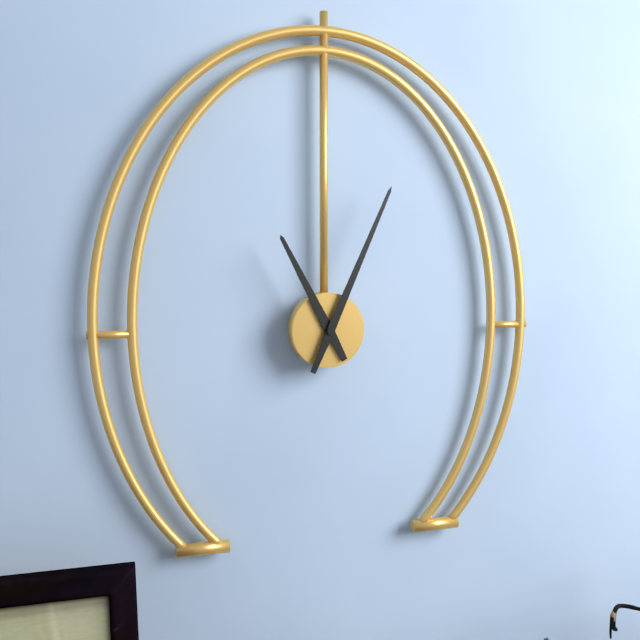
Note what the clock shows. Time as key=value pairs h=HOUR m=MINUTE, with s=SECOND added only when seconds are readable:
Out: h=11 m=4
